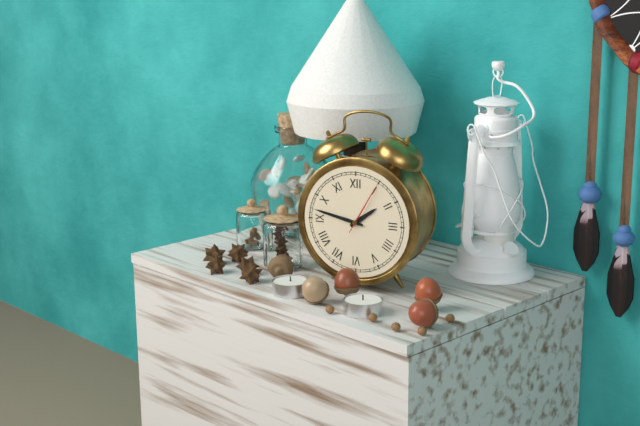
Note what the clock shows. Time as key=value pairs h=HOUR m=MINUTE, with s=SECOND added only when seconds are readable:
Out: h=1 m=47 s=5
